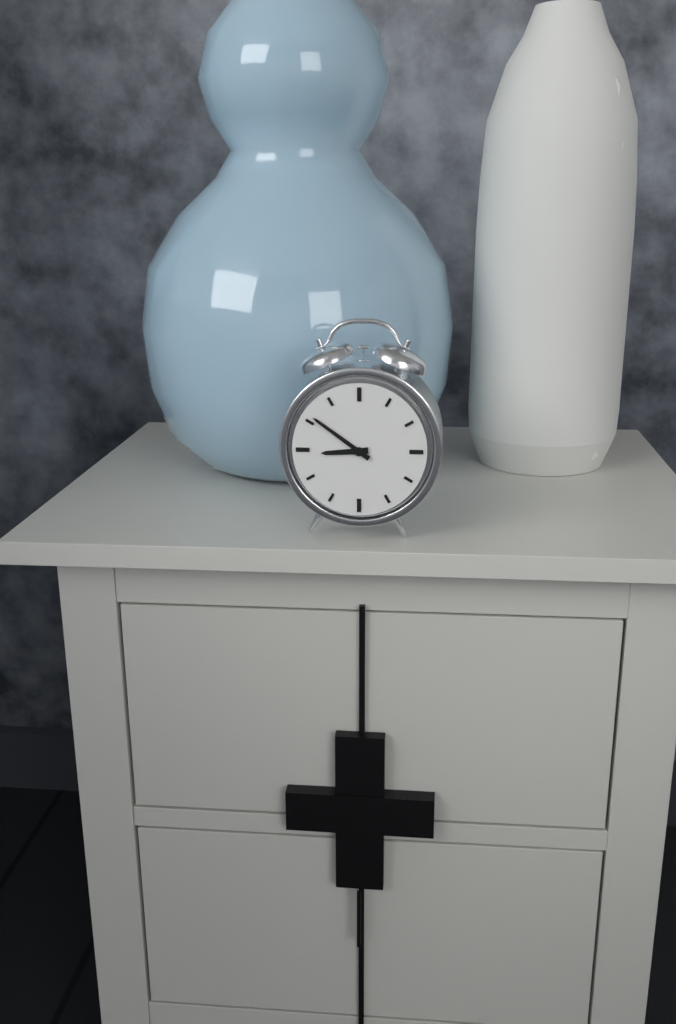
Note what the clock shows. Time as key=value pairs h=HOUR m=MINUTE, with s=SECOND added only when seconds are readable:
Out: h=8 m=51
